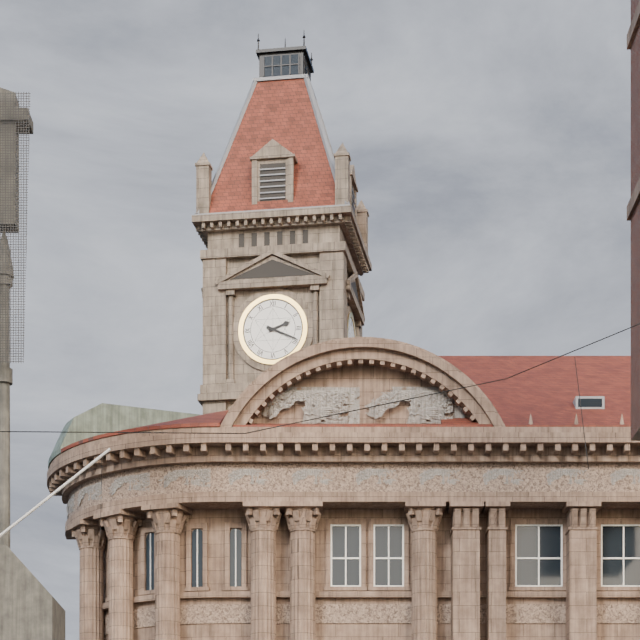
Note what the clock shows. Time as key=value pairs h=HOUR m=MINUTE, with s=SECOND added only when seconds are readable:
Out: h=2 m=19
